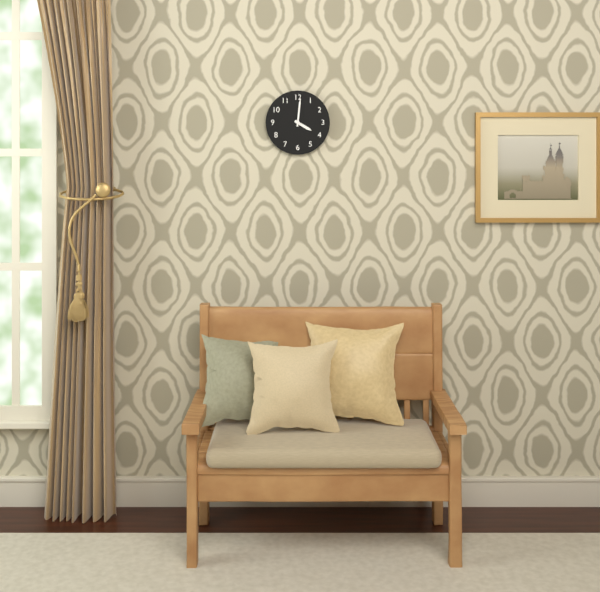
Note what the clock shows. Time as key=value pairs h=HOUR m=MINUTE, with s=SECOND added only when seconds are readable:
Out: h=4 m=1
